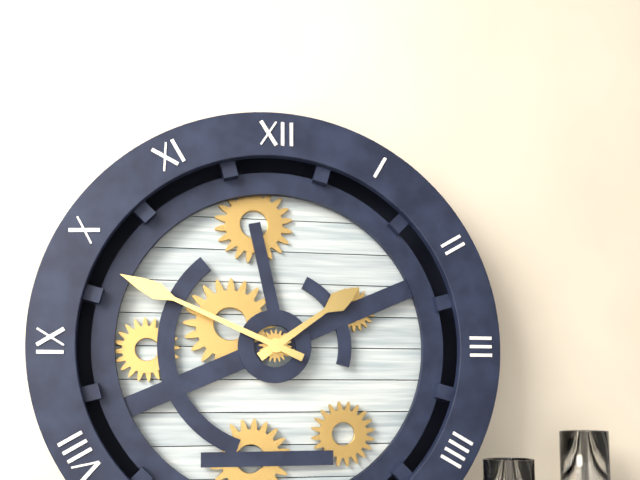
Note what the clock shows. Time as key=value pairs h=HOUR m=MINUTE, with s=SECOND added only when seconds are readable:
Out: h=1 m=49
